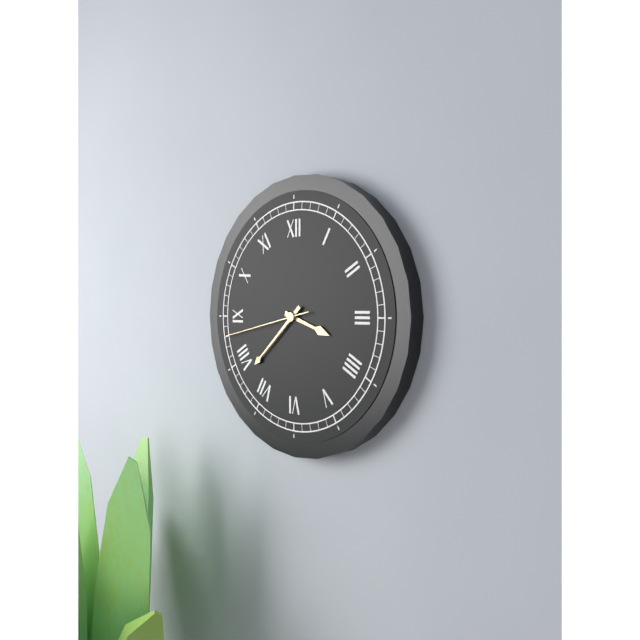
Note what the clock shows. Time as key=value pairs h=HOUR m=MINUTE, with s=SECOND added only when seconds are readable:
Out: h=3 m=38 s=43
